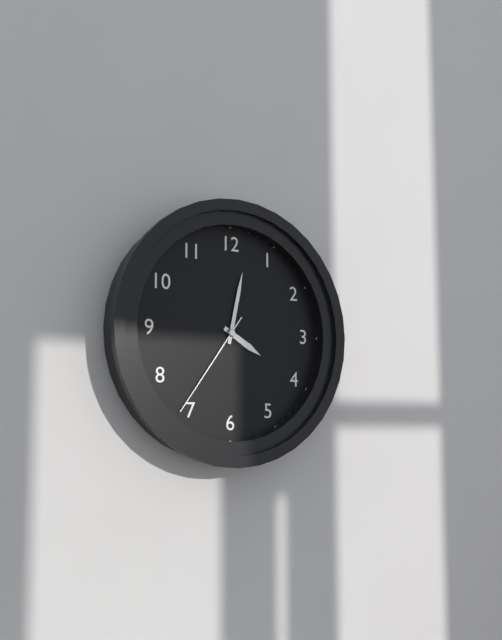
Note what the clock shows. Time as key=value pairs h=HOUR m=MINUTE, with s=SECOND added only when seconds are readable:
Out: h=4 m=2 s=36
